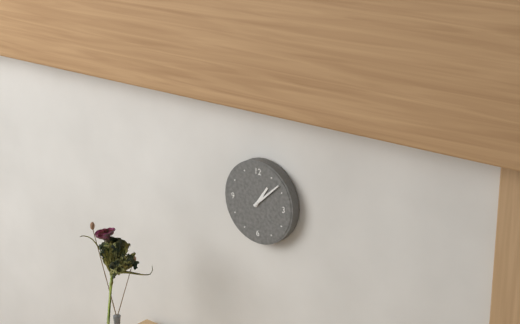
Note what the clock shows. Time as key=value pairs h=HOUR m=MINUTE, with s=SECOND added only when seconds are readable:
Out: h=1 m=8
